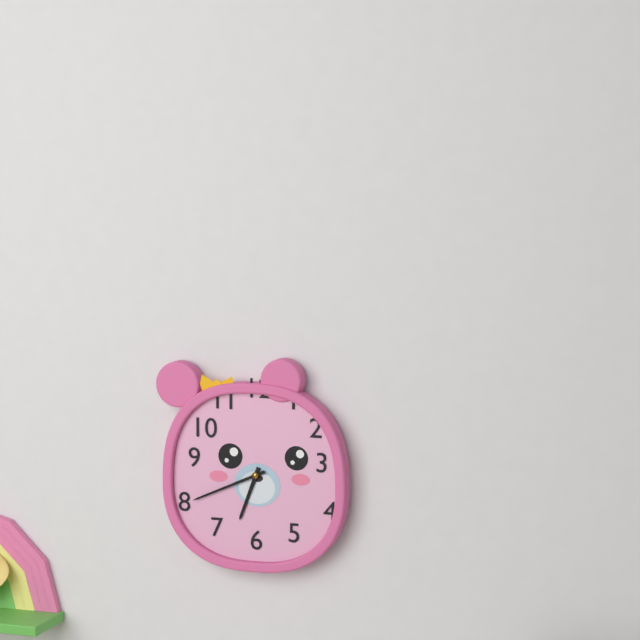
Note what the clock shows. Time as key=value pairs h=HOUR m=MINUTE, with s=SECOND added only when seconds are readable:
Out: h=6 m=41
